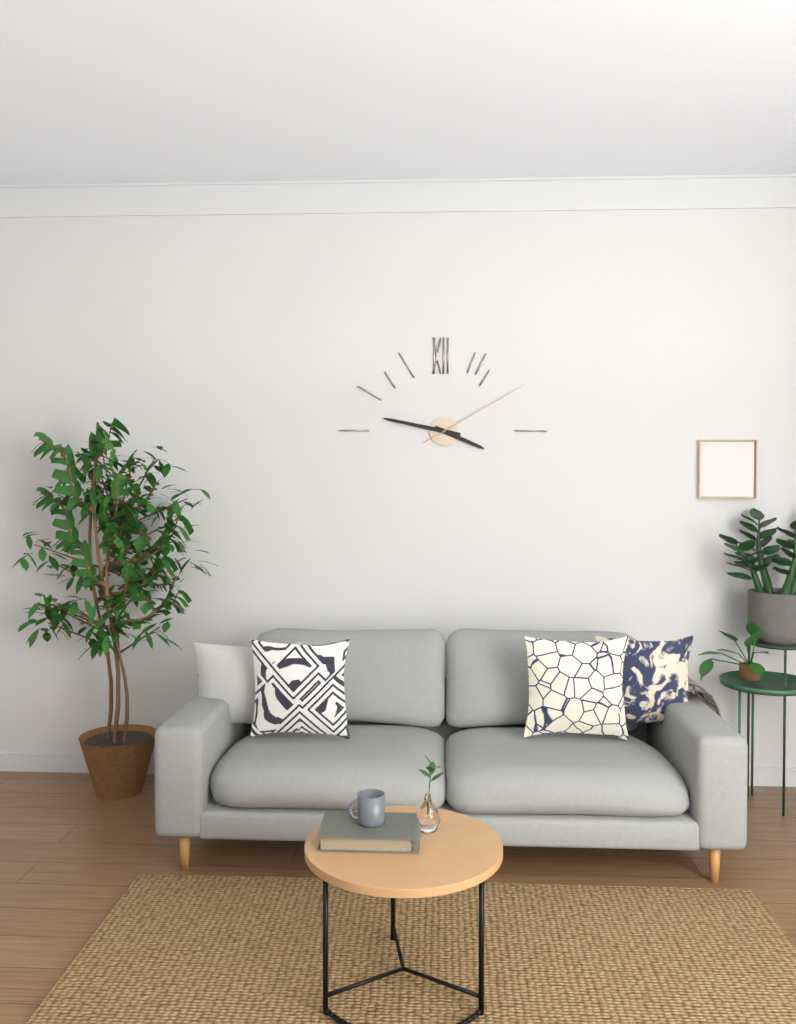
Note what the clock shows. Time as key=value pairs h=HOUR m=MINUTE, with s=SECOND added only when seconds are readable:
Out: h=3 m=47 s=10
